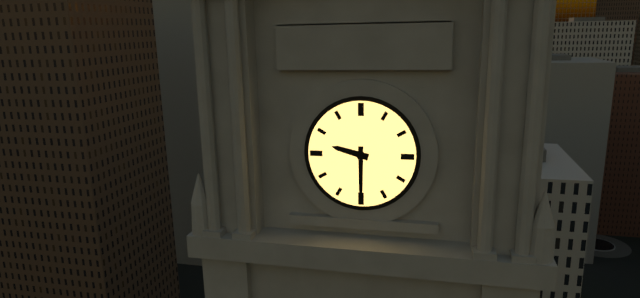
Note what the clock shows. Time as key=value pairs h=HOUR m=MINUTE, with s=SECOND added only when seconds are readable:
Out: h=9 m=30
